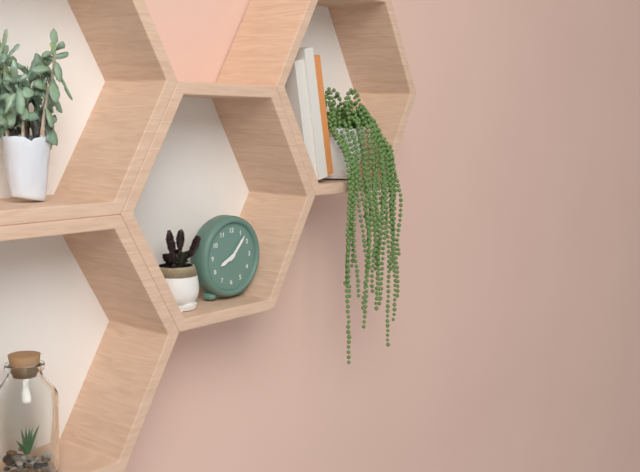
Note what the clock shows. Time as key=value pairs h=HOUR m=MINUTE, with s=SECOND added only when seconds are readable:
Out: h=8 m=7
